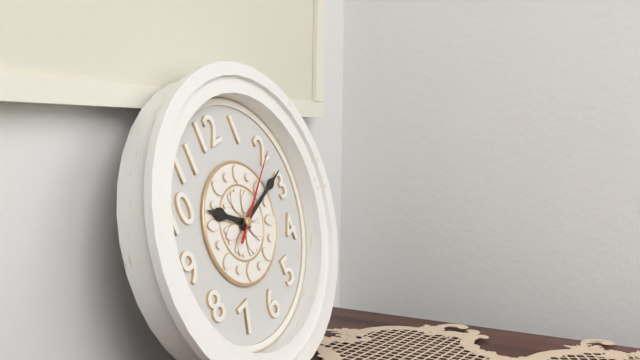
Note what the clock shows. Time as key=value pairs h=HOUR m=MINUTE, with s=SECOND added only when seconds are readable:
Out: h=10 m=13 s=10
